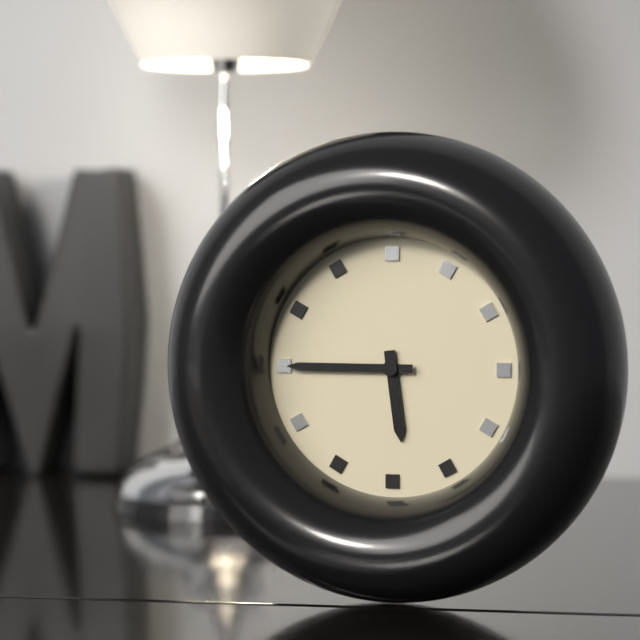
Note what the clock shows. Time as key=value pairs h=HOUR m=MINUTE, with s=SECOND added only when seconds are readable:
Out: h=5 m=45
